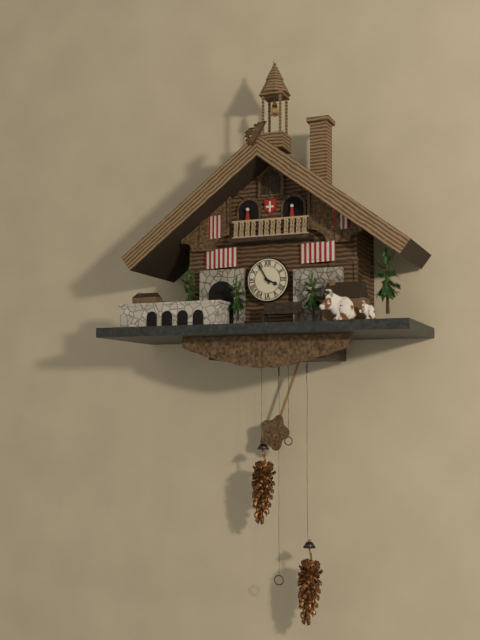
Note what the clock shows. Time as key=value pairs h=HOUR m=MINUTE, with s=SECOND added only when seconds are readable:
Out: h=3 m=55
